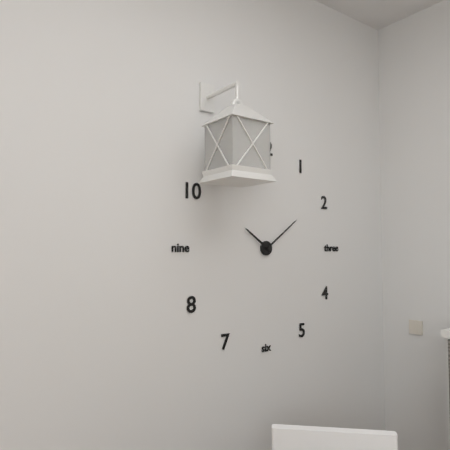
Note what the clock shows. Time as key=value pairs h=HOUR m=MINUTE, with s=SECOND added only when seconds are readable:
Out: h=10 m=9
